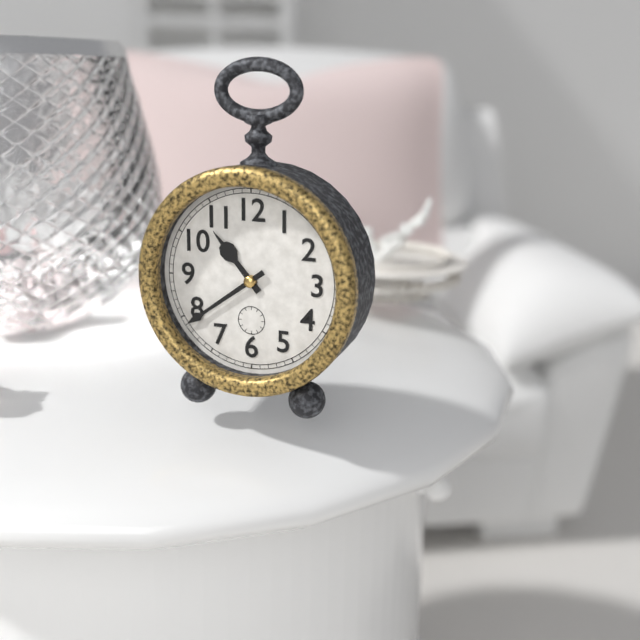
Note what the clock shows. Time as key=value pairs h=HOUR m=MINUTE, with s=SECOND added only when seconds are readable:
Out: h=10 m=39
